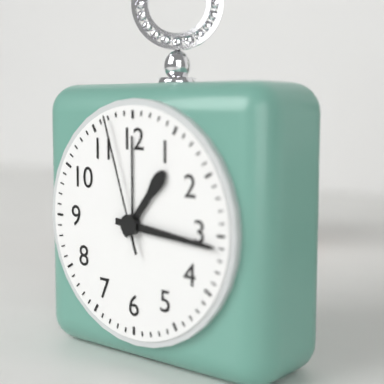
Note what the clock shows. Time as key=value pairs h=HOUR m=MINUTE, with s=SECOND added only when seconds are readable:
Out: h=1 m=16 s=57
